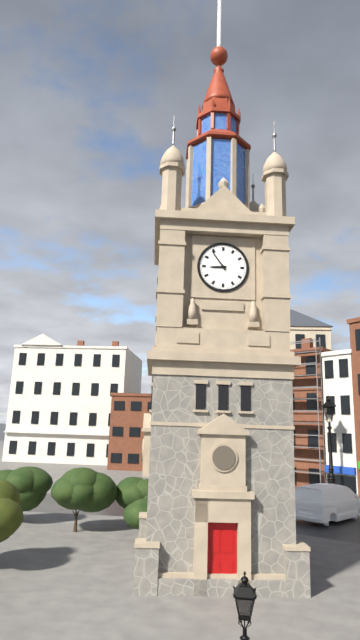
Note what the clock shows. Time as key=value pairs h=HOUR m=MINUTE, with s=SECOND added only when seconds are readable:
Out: h=8 m=54
